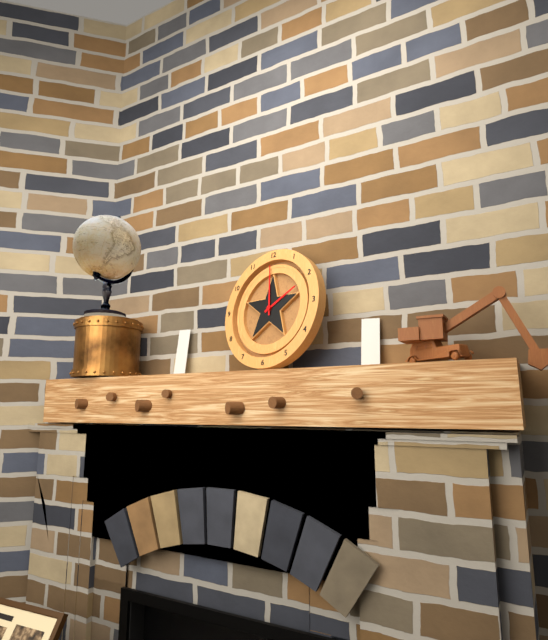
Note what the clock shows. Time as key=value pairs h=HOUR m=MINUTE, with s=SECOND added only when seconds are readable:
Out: h=1 m=59
